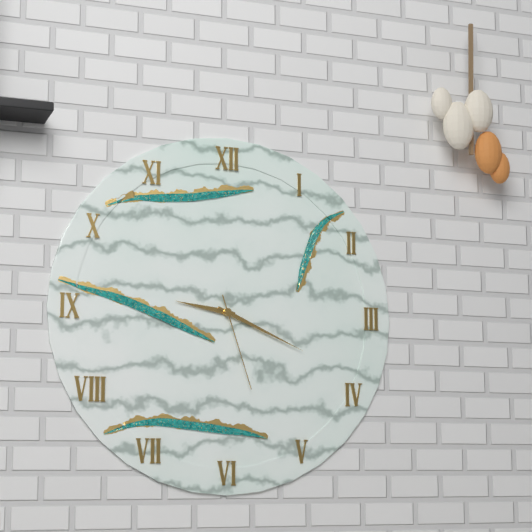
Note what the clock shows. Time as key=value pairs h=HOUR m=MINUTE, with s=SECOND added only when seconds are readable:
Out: h=9 m=19 s=27
